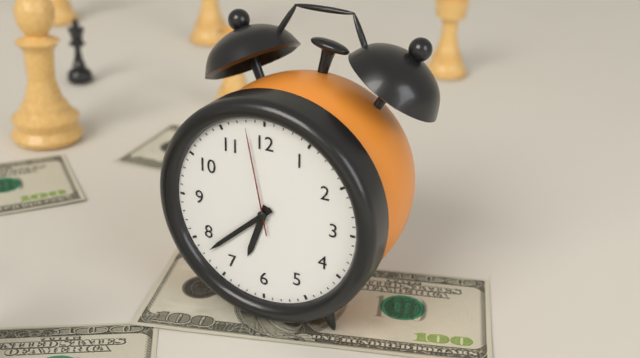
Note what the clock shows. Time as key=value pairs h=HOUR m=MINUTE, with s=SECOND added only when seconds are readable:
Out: h=6 m=38 s=58
